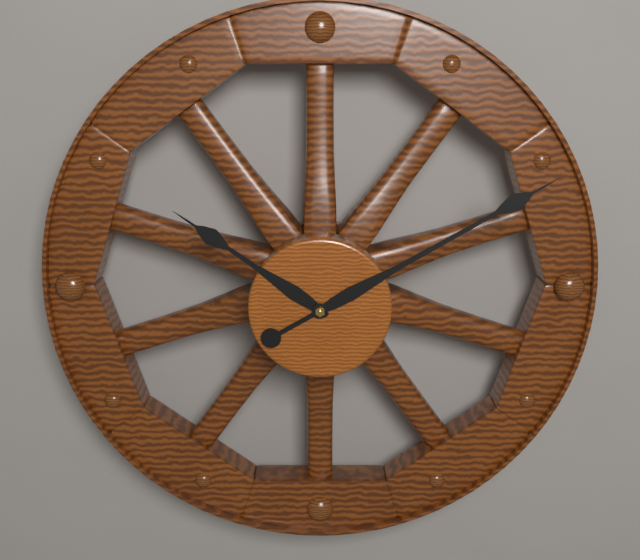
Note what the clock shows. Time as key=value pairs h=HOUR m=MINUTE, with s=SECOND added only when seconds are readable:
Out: h=10 m=10
